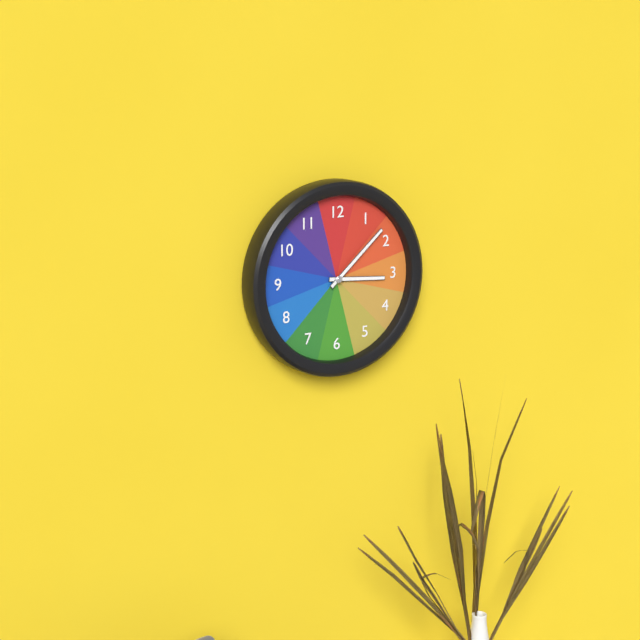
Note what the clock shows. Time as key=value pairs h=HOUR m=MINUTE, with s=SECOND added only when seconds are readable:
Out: h=3 m=8
